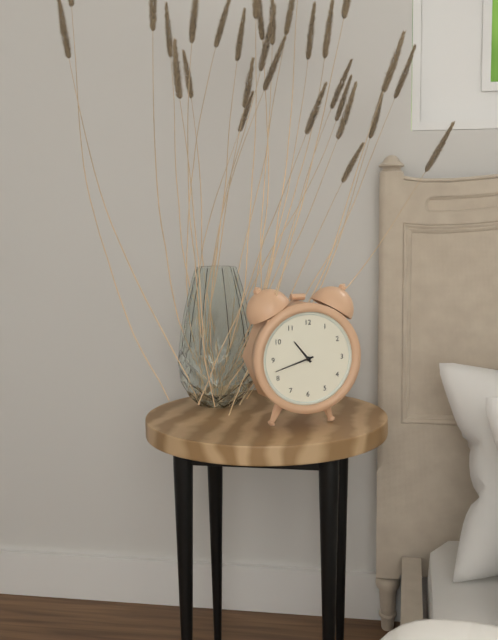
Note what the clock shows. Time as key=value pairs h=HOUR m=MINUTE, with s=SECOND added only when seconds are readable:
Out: h=10 m=42
